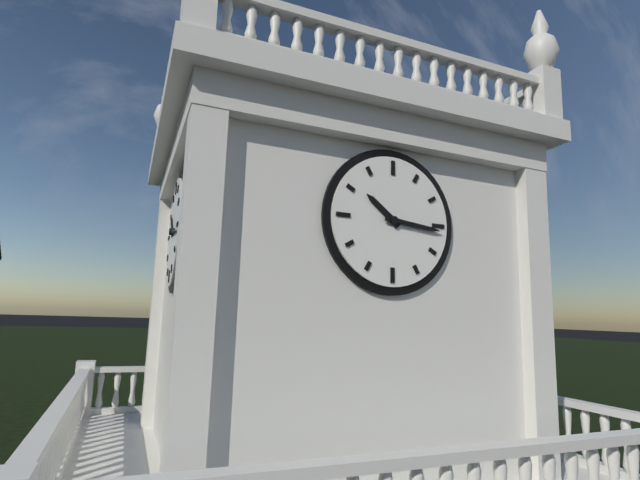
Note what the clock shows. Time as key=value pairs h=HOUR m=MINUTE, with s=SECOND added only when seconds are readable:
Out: h=10 m=16
